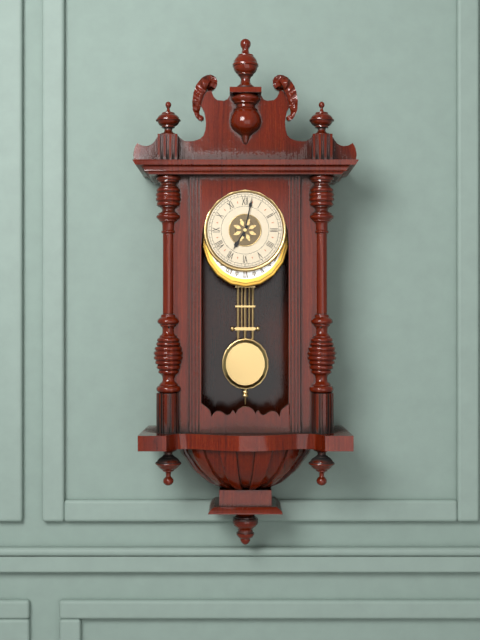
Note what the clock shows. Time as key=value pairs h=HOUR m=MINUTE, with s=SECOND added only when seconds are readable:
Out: h=7 m=2
